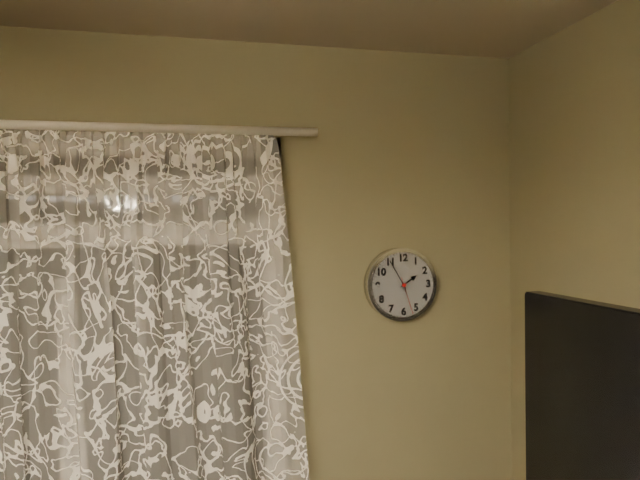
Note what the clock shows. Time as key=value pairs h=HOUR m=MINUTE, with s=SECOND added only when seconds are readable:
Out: h=1 m=55
